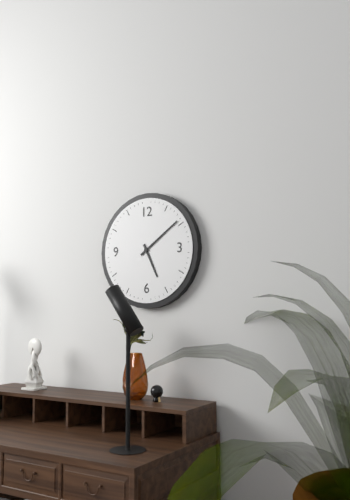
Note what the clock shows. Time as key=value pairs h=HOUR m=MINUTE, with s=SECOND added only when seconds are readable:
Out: h=5 m=9
